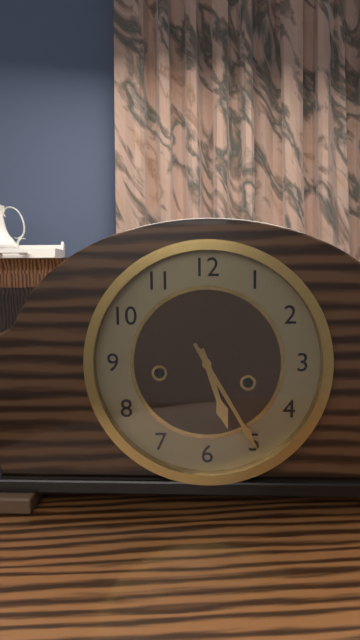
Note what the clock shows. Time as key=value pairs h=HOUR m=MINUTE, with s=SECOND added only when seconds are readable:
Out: h=5 m=25
